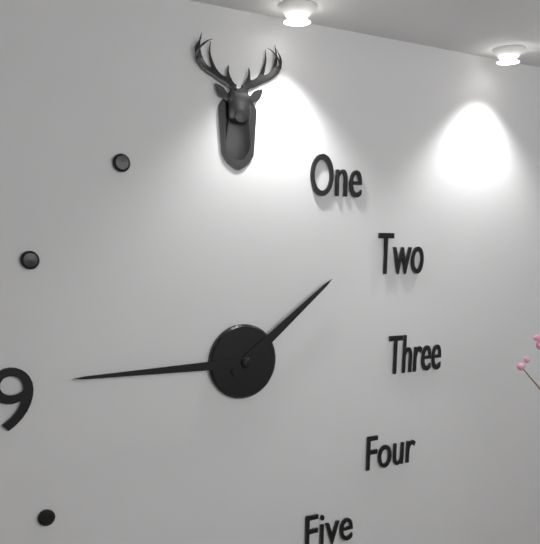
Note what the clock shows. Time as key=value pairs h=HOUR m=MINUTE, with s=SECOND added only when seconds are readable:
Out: h=1 m=45
